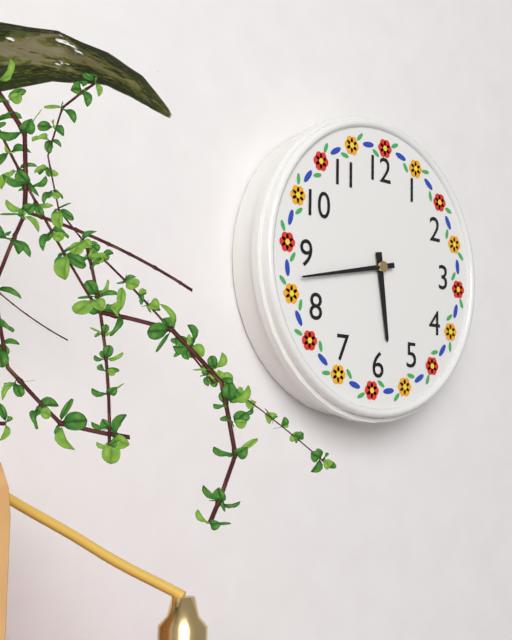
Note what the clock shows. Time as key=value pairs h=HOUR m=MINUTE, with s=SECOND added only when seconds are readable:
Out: h=5 m=43
